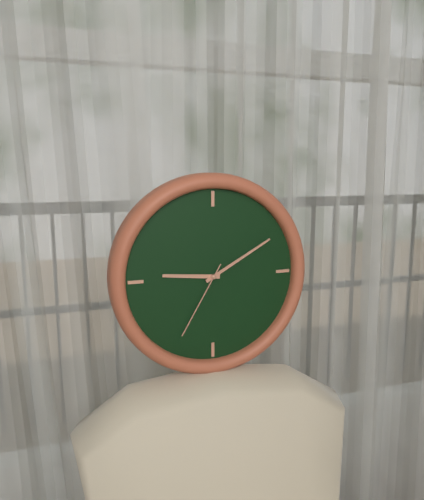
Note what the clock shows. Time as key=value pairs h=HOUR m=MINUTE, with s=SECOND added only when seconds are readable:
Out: h=9 m=10 s=35
